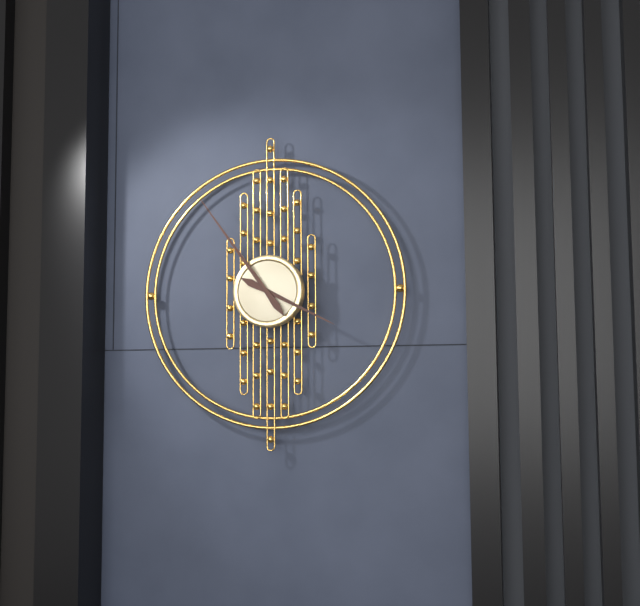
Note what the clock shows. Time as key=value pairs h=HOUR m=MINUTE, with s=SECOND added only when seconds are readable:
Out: h=3 m=54
